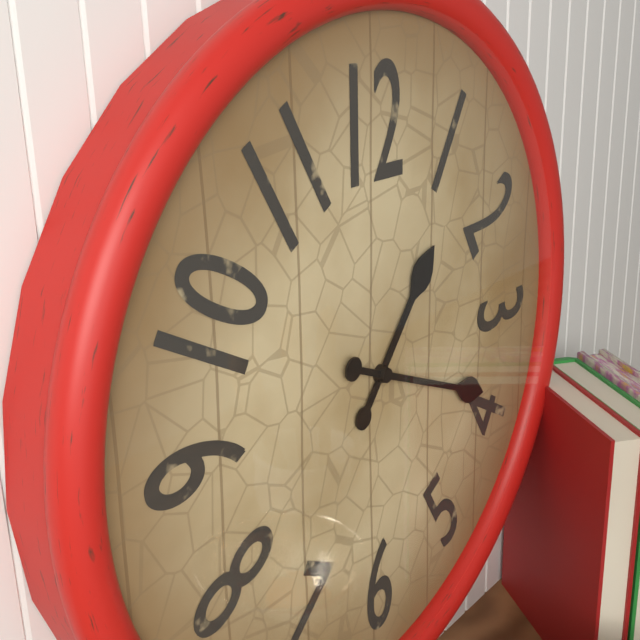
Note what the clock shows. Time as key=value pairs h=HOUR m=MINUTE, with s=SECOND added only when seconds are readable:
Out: h=1 m=19
